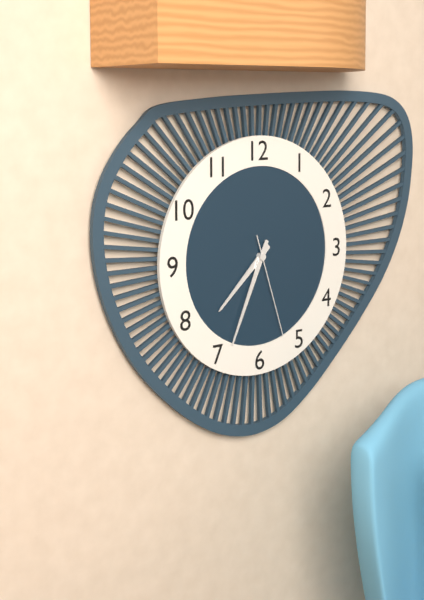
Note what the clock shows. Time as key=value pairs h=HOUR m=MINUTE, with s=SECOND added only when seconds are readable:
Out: h=7 m=34 s=27
